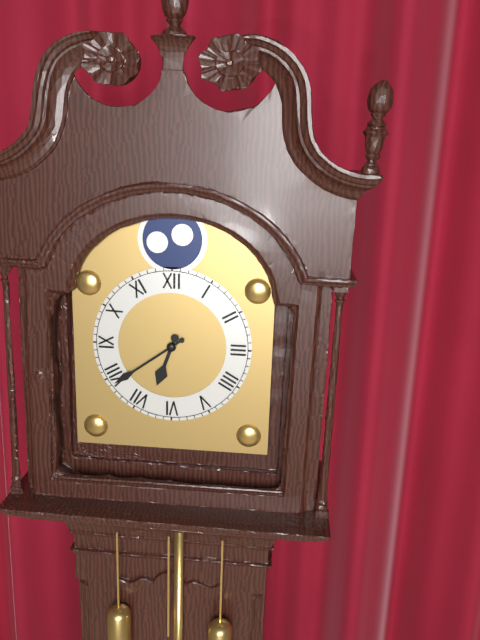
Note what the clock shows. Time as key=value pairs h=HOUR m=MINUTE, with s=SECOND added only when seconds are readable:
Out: h=6 m=39
